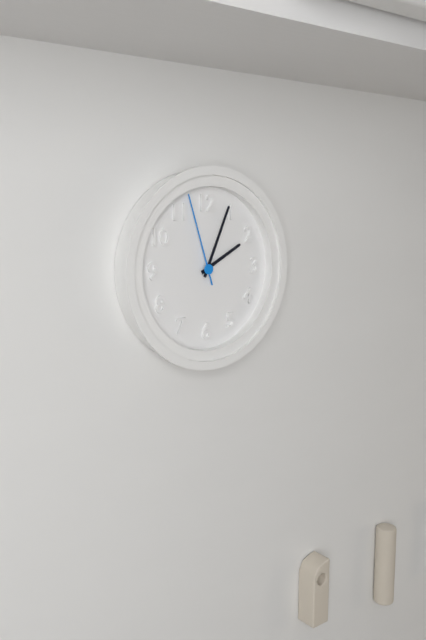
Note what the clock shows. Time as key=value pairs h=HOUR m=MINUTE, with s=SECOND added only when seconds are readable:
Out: h=2 m=4 s=57
